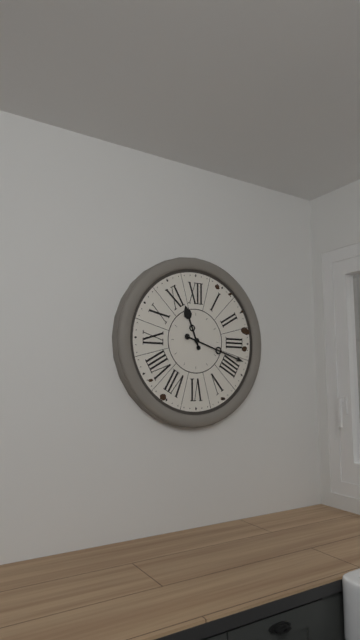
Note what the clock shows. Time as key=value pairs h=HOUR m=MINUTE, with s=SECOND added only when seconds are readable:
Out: h=11 m=18
